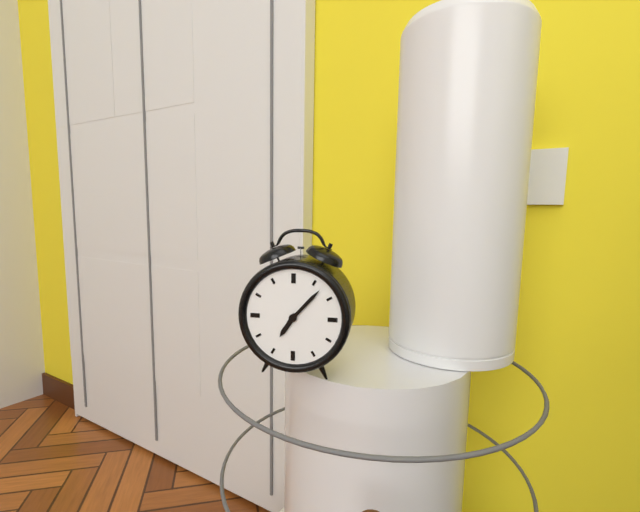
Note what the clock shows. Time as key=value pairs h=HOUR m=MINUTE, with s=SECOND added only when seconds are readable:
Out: h=7 m=7
